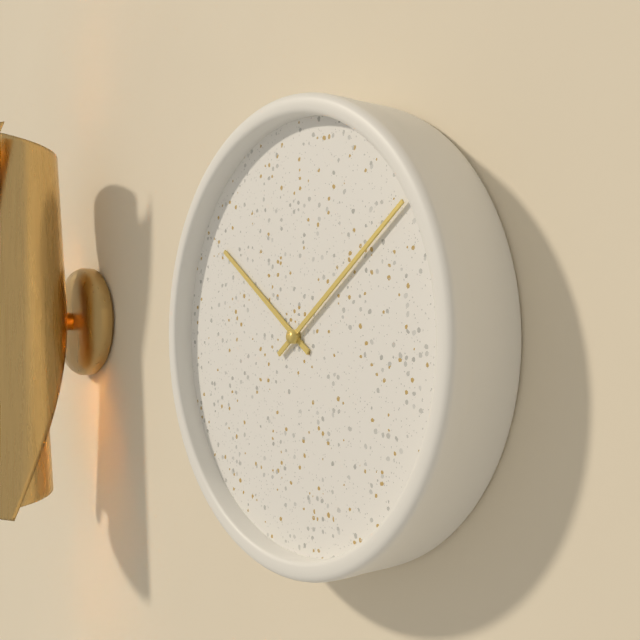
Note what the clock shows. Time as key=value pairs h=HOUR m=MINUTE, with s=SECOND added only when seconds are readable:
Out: h=10 m=9
